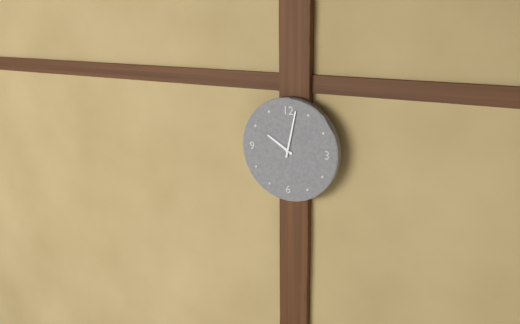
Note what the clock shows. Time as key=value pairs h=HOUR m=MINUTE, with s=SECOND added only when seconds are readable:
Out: h=10 m=2
